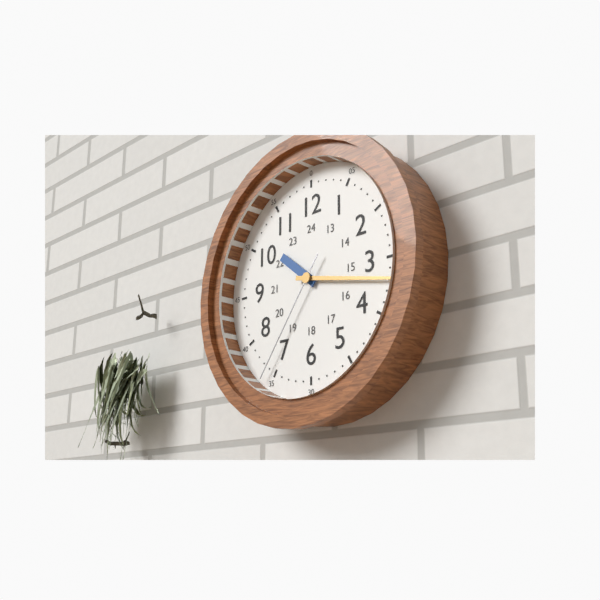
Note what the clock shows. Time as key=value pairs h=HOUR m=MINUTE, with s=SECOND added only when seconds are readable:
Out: h=10 m=17 s=36
